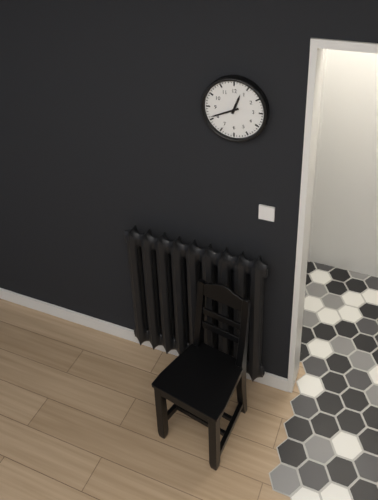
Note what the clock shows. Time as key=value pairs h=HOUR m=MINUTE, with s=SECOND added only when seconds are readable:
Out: h=12 m=41
